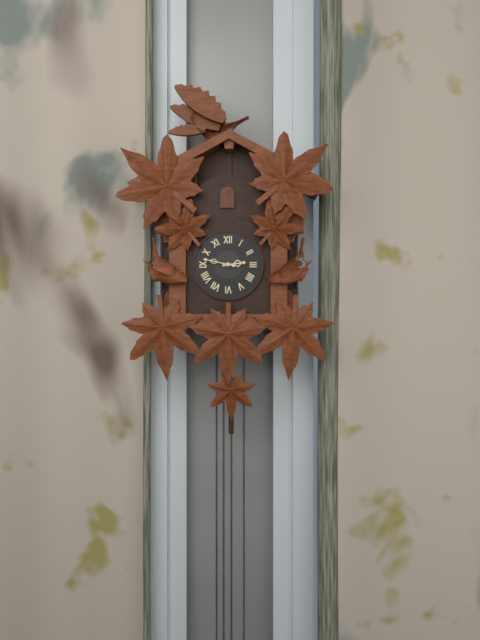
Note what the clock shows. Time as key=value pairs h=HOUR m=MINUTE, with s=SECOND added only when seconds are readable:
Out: h=2 m=47
